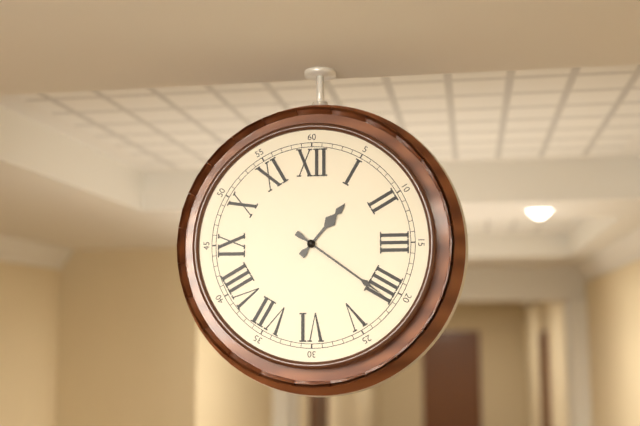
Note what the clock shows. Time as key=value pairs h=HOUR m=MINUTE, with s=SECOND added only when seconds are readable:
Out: h=1 m=21
